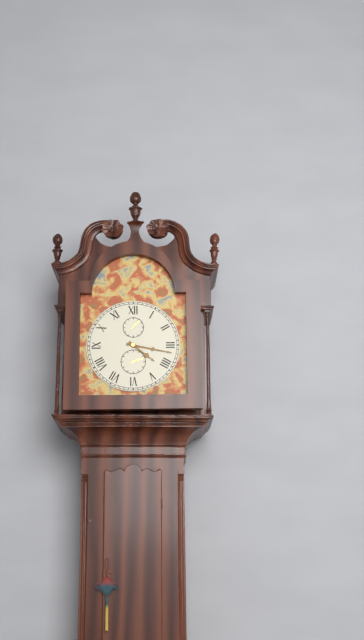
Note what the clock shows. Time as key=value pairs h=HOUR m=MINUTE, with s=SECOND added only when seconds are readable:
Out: h=4 m=17
